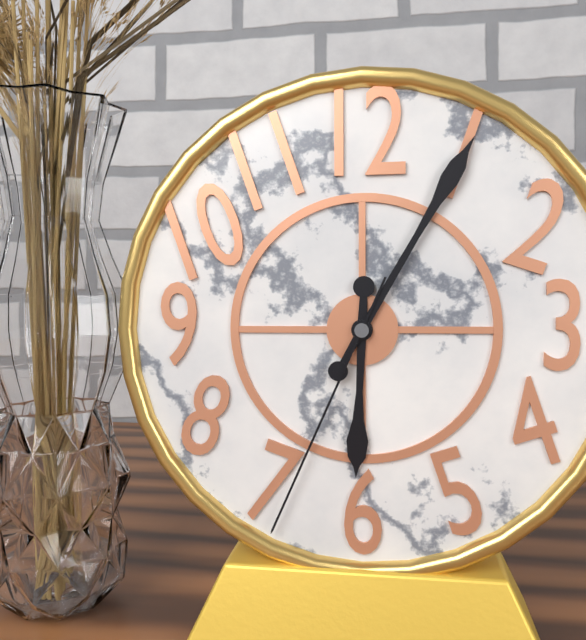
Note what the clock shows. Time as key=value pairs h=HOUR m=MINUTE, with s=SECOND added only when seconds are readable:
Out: h=6 m=5 s=34
